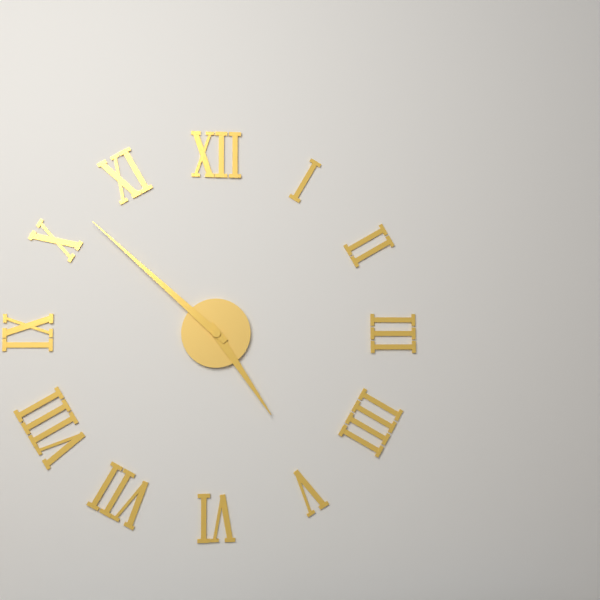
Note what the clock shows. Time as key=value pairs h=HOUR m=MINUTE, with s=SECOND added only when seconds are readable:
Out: h=4 m=52
